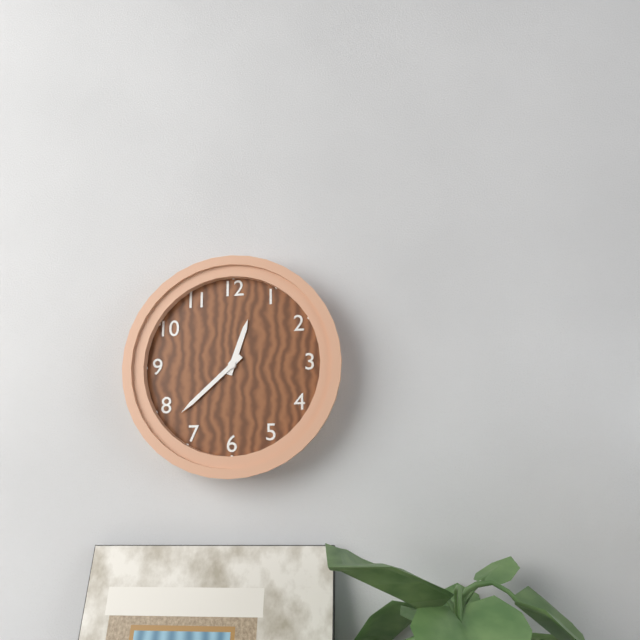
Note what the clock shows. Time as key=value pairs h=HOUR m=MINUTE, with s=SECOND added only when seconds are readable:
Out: h=12 m=38
